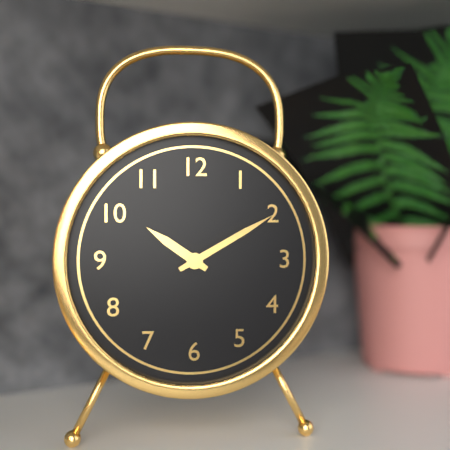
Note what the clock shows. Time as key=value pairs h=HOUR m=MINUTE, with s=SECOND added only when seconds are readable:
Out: h=10 m=10
